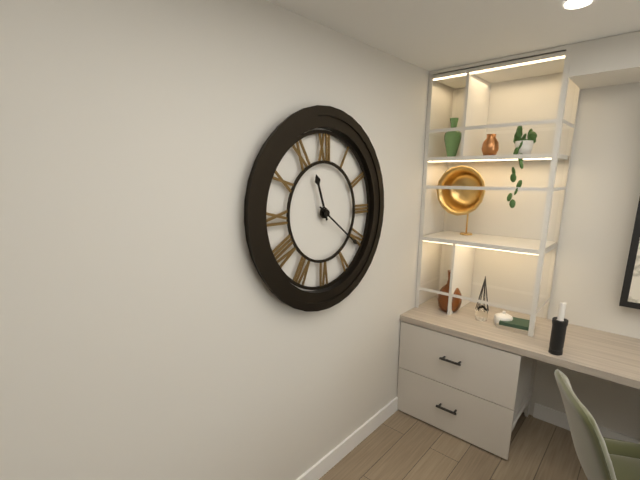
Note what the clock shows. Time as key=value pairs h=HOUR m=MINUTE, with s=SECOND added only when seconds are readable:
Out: h=11 m=21
